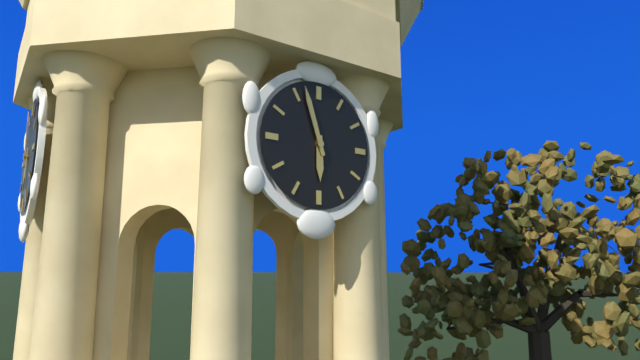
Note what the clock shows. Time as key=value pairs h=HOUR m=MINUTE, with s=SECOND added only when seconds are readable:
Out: h=5 m=57
